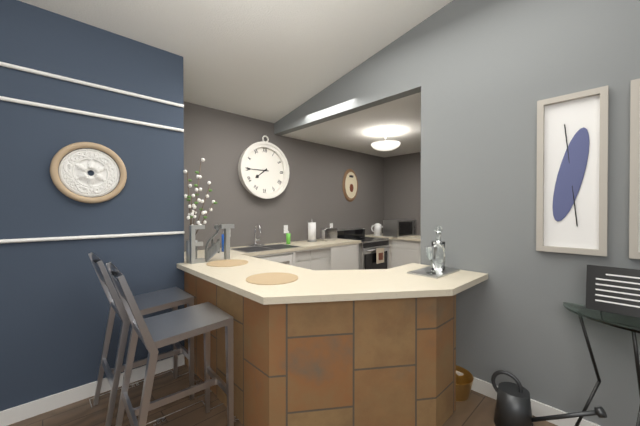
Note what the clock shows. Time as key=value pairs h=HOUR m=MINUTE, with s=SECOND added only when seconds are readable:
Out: h=7 m=45
